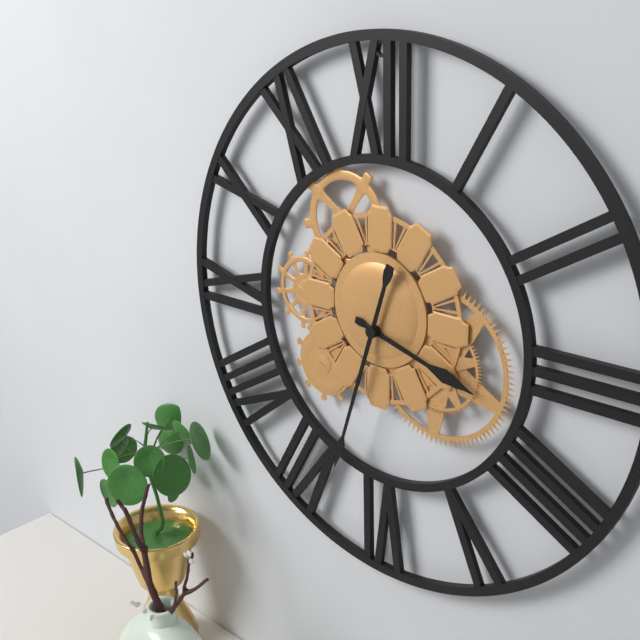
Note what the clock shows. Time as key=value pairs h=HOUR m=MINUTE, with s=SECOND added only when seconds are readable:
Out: h=3 m=33
